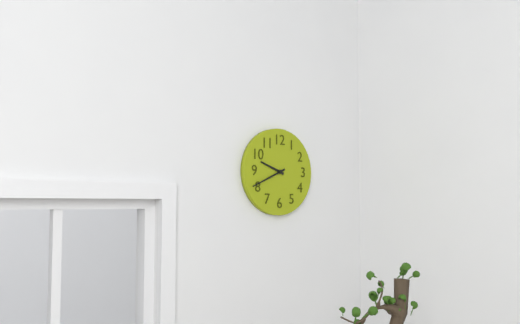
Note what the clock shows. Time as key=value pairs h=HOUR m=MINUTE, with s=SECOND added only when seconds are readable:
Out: h=9 m=41
